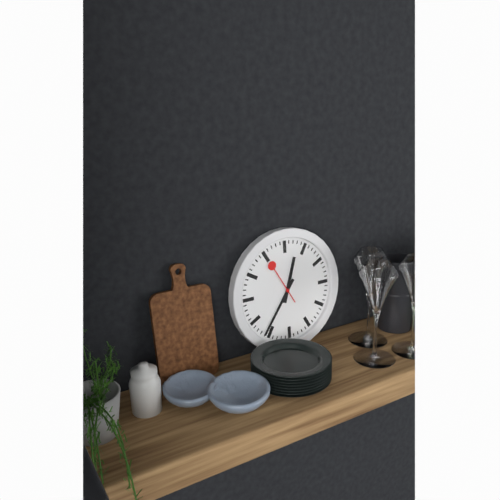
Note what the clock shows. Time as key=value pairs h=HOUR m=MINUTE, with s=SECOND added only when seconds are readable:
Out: h=12 m=36
